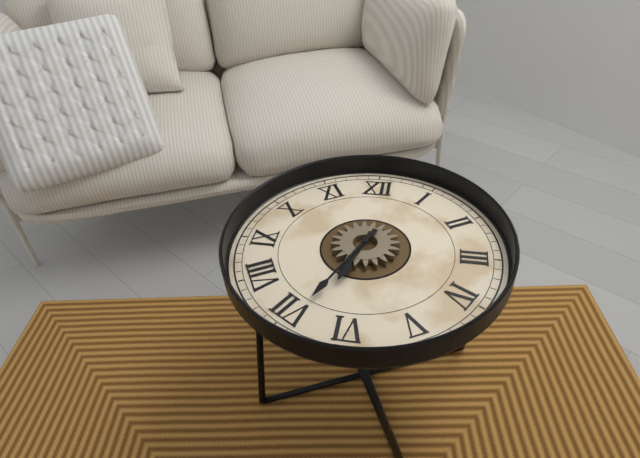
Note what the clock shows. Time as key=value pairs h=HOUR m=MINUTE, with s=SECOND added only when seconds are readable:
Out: h=6 m=34
